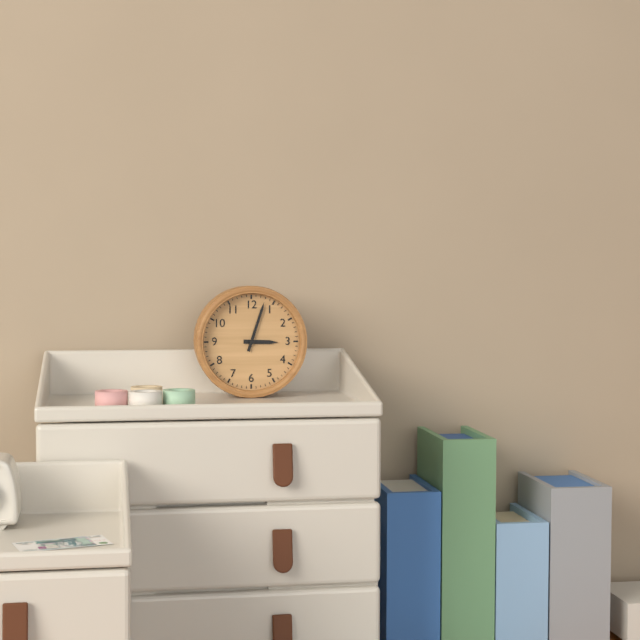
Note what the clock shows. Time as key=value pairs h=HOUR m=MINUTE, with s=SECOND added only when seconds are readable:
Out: h=3 m=3
